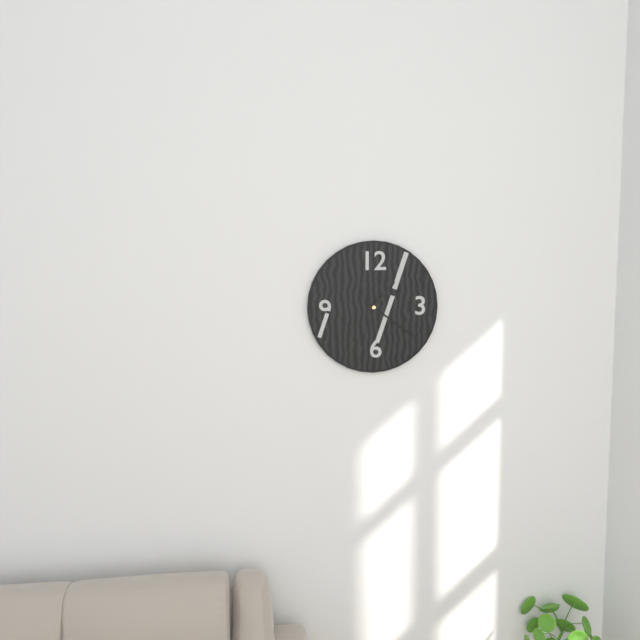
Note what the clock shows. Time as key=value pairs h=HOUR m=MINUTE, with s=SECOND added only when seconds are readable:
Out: h=1 m=21 s=33
